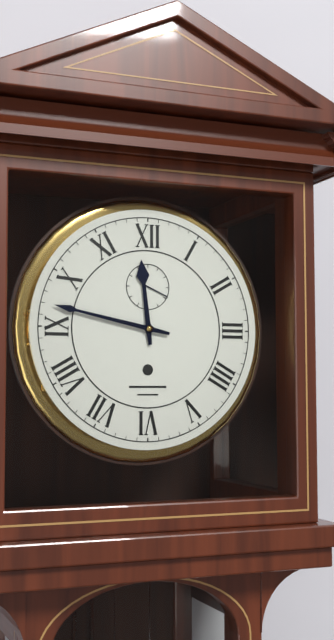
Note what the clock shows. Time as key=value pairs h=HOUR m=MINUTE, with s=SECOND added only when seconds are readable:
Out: h=11 m=47
